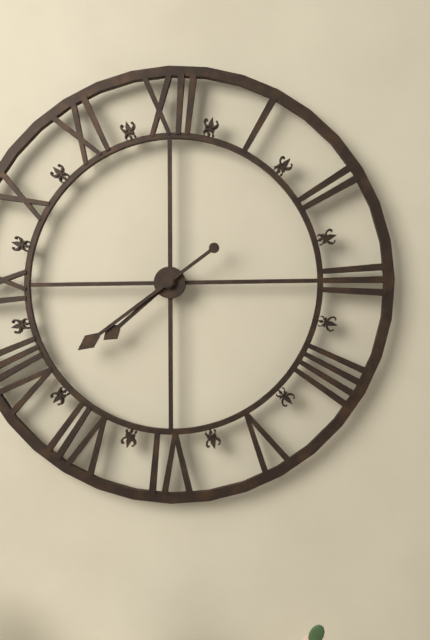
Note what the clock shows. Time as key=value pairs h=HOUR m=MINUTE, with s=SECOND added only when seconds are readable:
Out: h=7 m=39
